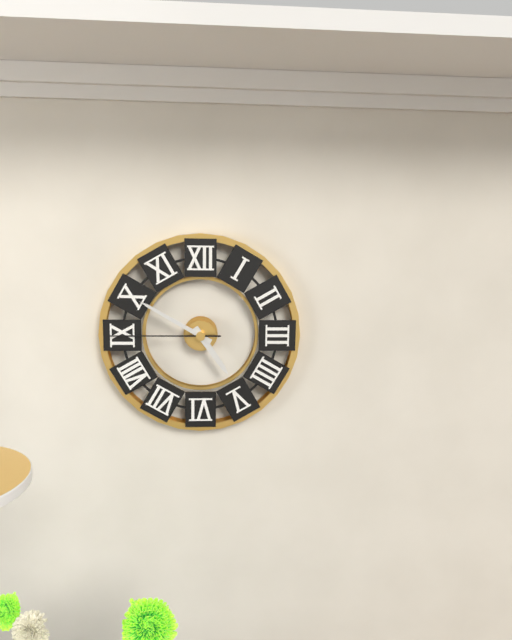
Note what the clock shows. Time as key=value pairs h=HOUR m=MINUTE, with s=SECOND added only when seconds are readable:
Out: h=4 m=50 s=45
